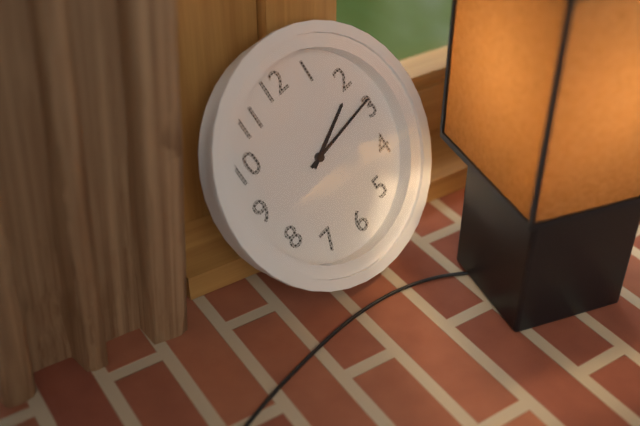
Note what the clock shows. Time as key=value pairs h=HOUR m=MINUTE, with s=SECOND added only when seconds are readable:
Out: h=2 m=14
